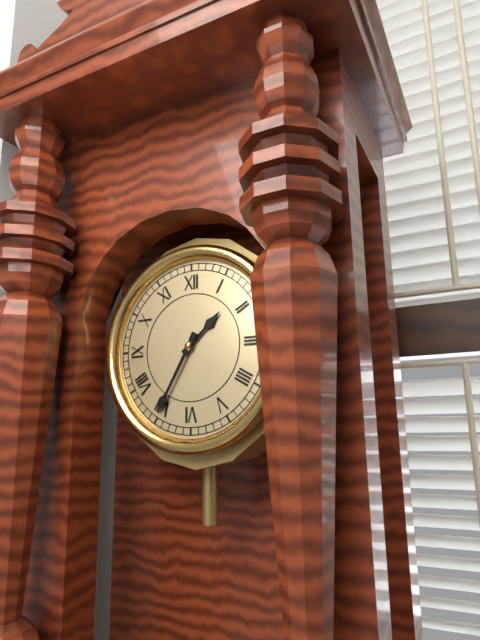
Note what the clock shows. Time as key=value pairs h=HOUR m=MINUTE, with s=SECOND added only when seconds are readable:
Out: h=1 m=35
